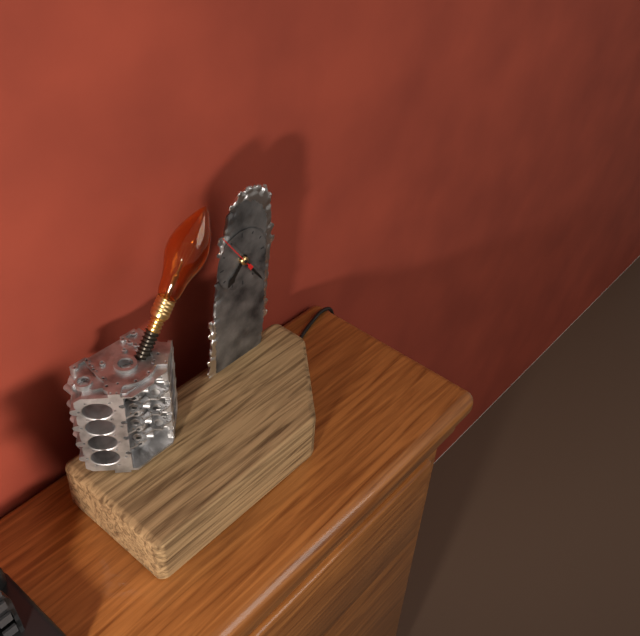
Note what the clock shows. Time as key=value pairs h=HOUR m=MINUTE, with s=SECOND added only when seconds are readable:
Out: h=7 m=24
